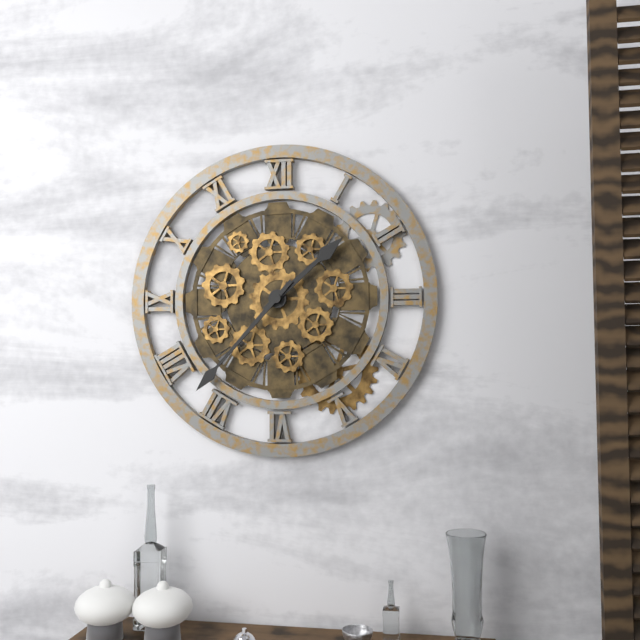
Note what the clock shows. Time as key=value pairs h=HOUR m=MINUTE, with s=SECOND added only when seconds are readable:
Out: h=1 m=37
